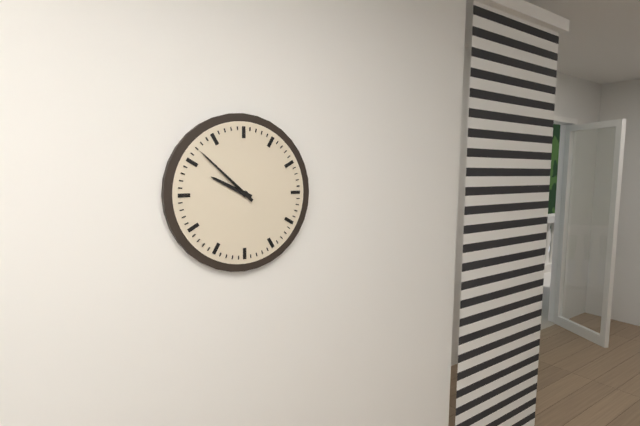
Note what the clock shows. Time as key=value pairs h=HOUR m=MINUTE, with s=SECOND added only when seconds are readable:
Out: h=9 m=52
